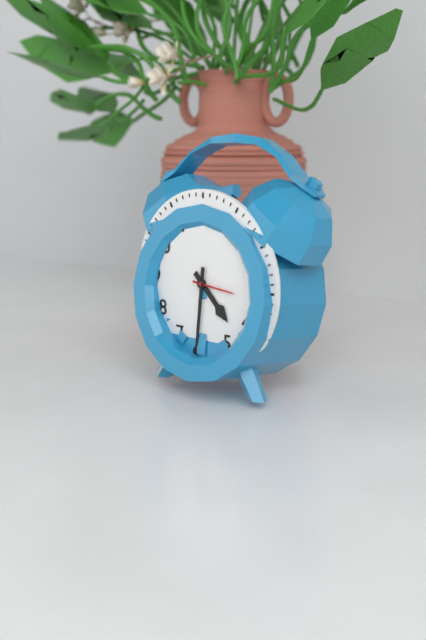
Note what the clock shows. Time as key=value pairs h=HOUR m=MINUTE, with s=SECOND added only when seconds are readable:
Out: h=4 m=31
